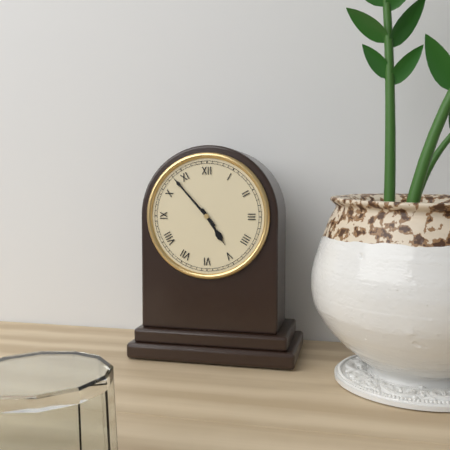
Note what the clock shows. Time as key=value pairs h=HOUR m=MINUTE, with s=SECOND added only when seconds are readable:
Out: h=4 m=53
